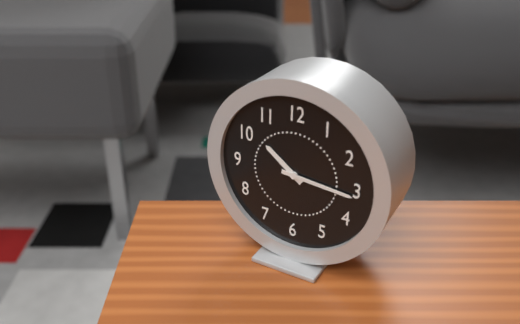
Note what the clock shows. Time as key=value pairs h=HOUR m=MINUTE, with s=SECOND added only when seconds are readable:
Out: h=10 m=16
